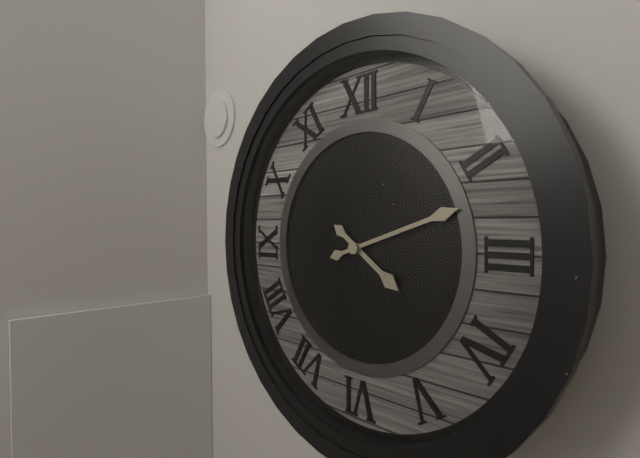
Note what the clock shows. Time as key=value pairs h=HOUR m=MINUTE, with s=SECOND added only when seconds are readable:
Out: h=4 m=12
